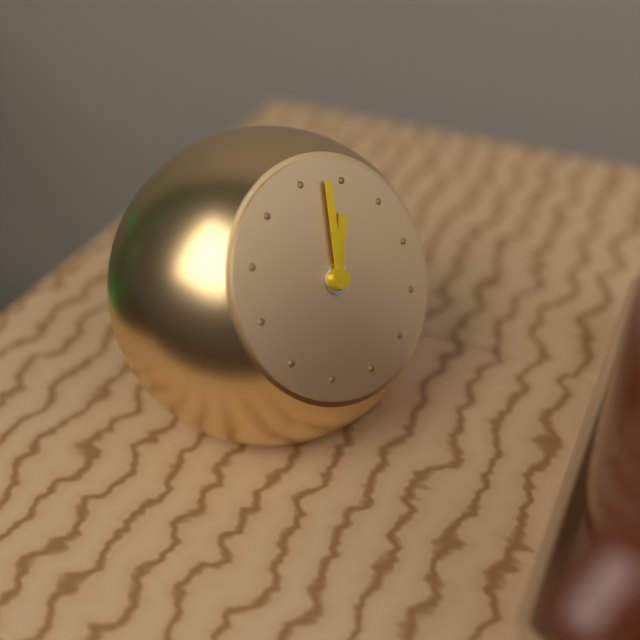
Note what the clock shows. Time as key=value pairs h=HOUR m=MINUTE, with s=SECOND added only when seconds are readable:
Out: h=1 m=3
